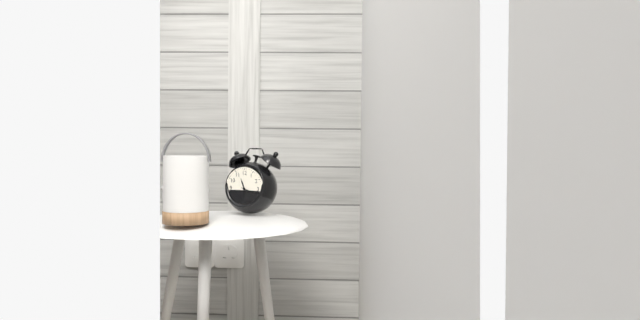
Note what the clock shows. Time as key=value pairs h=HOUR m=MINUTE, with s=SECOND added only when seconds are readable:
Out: h=11 m=18
